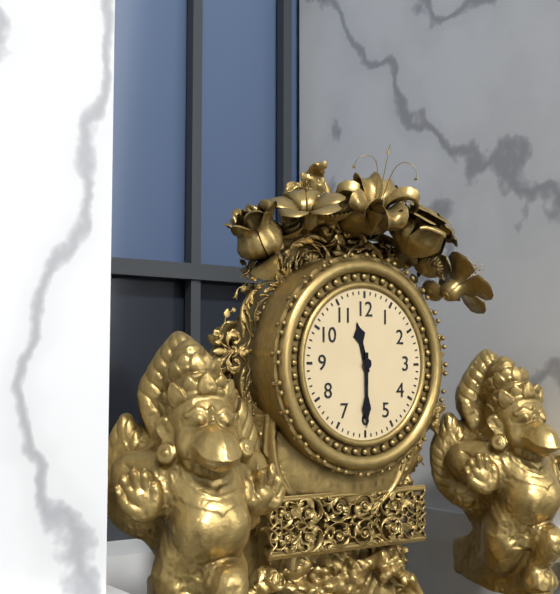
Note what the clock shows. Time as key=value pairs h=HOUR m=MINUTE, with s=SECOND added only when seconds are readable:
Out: h=11 m=30
